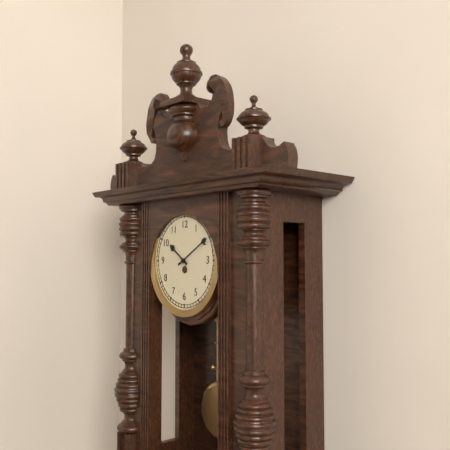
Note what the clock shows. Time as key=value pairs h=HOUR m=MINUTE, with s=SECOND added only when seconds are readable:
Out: h=10 m=10
